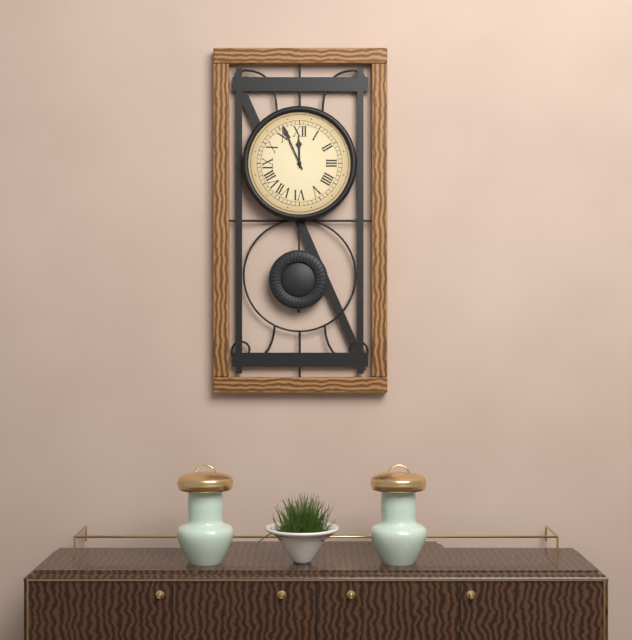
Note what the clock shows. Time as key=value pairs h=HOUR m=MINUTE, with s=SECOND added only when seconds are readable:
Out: h=11 m=56
